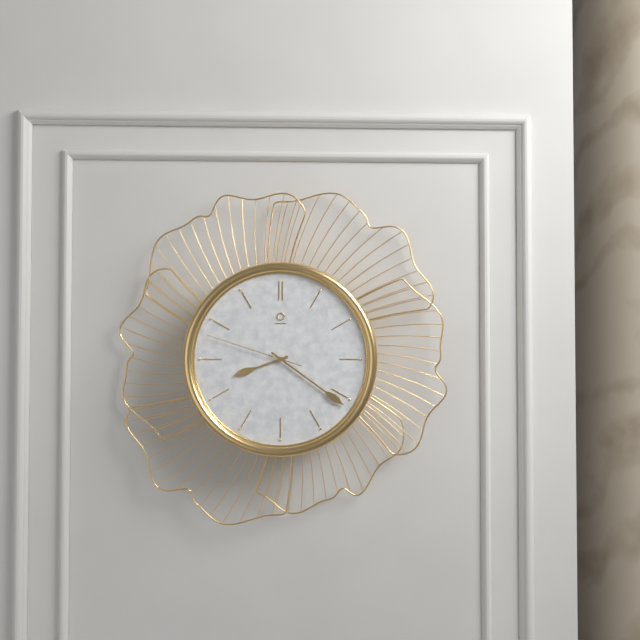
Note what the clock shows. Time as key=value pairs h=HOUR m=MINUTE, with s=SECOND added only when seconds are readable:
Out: h=8 m=21 s=48
